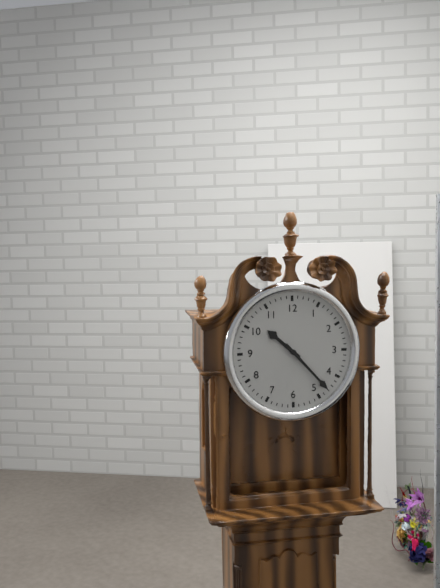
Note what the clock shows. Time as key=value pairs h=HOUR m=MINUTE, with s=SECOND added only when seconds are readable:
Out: h=10 m=23
